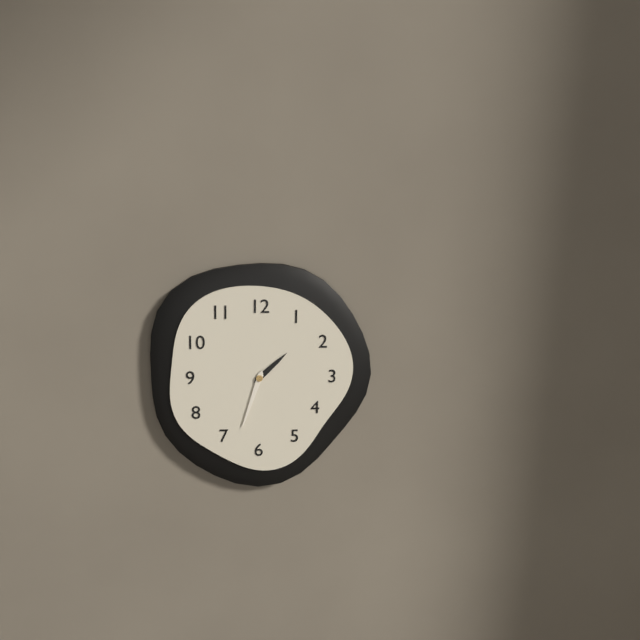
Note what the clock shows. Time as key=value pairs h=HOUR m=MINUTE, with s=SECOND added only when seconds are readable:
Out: h=1 m=33
